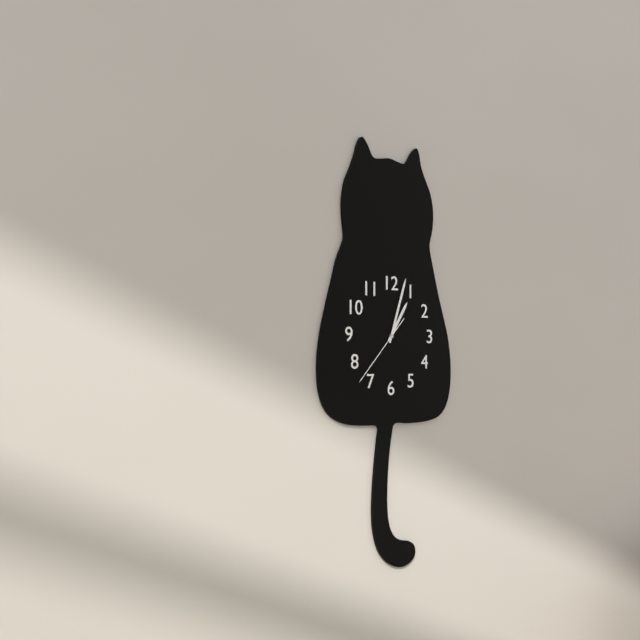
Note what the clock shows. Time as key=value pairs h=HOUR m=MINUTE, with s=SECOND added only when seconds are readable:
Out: h=1 m=3 s=37
